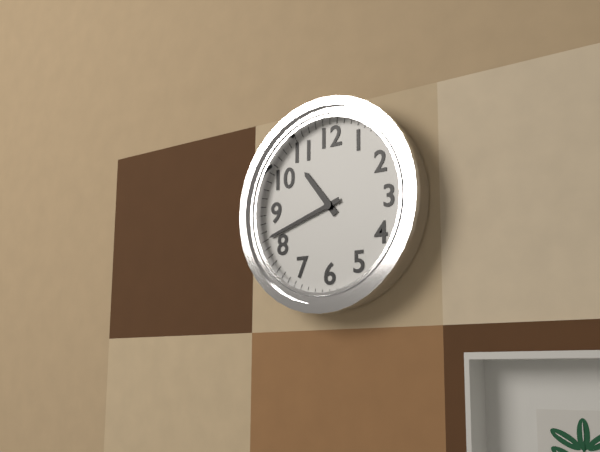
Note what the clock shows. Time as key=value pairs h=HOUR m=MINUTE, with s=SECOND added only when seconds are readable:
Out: h=10 m=42
